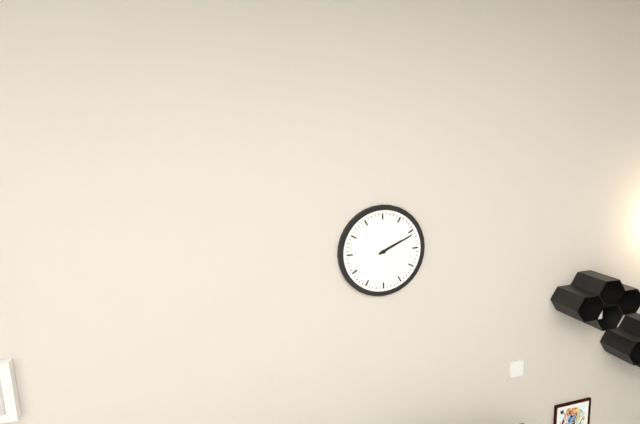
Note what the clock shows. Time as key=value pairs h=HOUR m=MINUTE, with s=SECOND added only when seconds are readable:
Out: h=2 m=11
